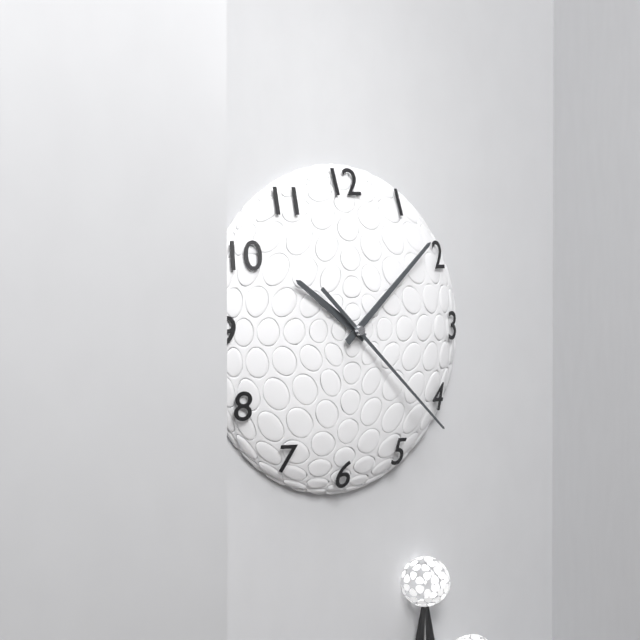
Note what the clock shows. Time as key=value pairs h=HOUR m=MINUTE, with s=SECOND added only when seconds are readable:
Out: h=10 m=8 s=22
